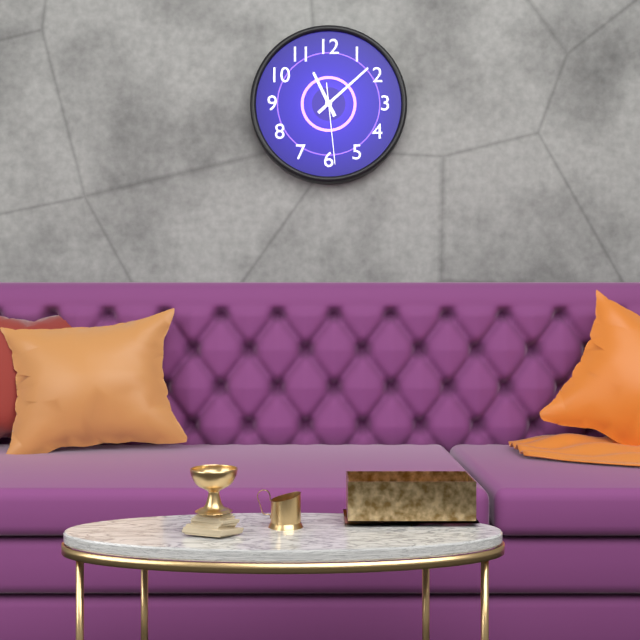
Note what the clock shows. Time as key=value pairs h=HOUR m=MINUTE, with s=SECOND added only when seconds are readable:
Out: h=11 m=8 s=29
